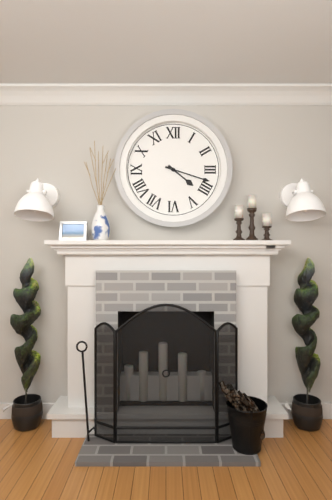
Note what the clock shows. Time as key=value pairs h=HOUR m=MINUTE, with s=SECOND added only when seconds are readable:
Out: h=4 m=18
